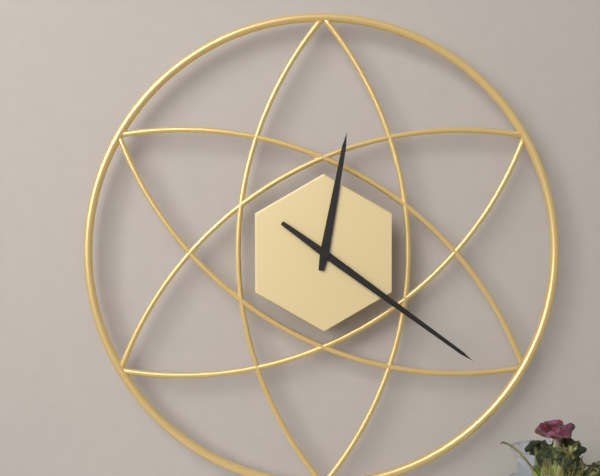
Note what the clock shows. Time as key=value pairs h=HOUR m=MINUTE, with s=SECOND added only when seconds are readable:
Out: h=12 m=21
